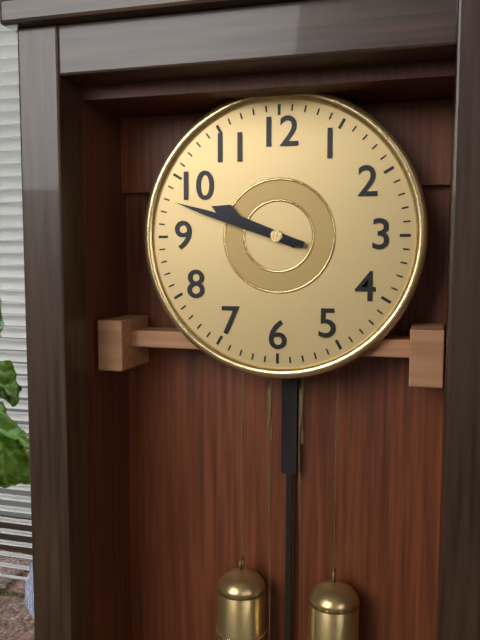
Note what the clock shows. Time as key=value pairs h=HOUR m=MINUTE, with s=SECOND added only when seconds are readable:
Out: h=9 m=48
